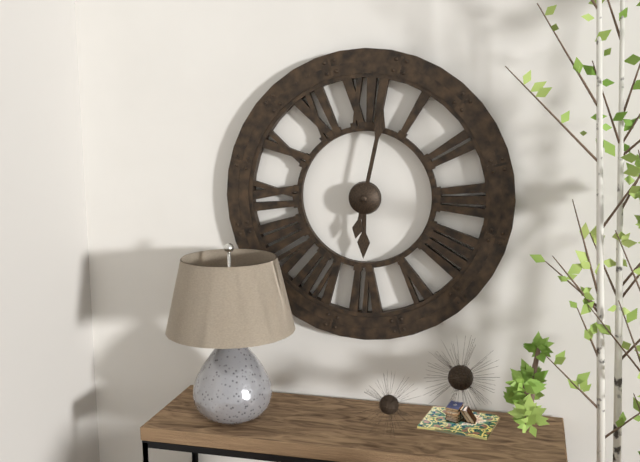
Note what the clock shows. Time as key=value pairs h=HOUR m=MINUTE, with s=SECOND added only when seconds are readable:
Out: h=6 m=2
